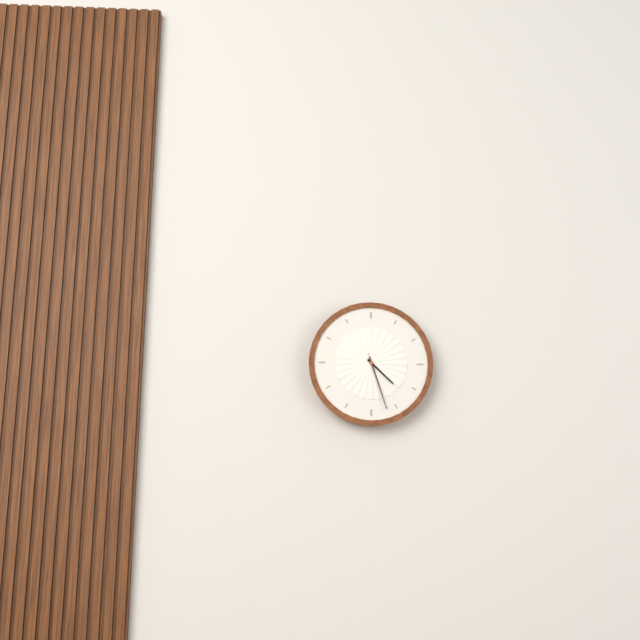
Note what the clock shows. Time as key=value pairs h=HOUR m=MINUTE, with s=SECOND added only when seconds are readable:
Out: h=4 m=27 s=27
